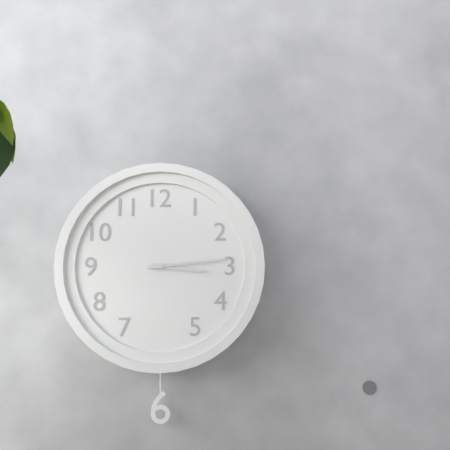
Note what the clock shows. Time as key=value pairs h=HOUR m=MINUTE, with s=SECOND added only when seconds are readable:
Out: h=3 m=14
